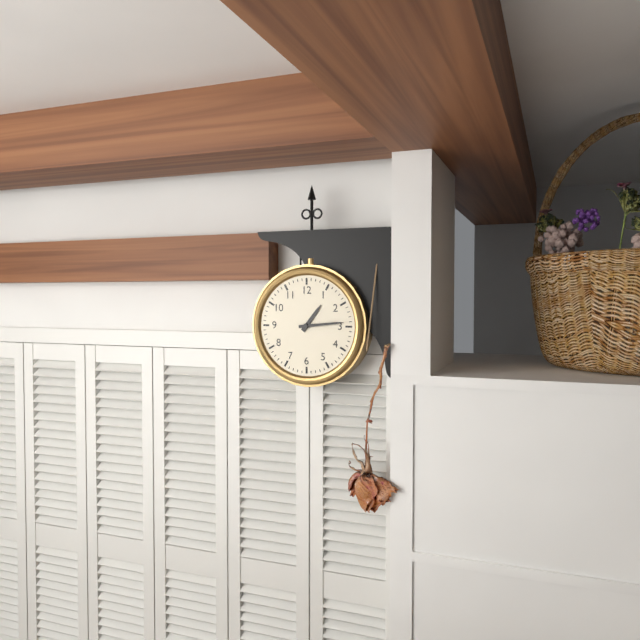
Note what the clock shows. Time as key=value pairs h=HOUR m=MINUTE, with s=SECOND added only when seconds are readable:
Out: h=1 m=14
